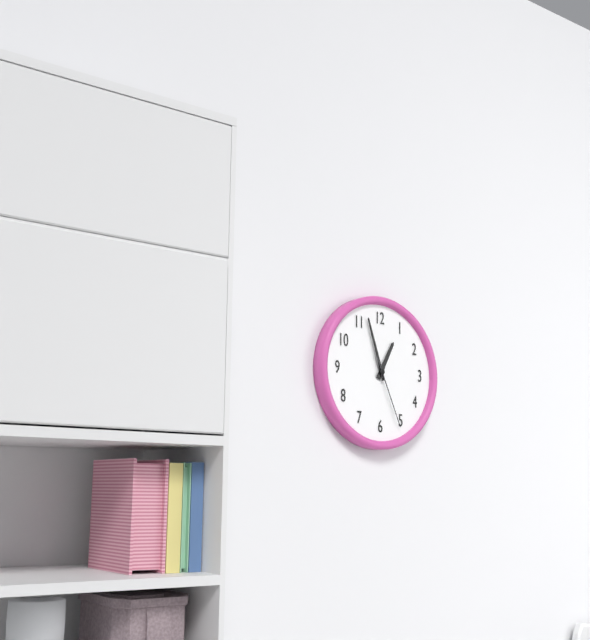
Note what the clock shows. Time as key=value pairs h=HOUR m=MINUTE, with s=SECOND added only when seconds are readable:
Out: h=12 m=57 s=26
